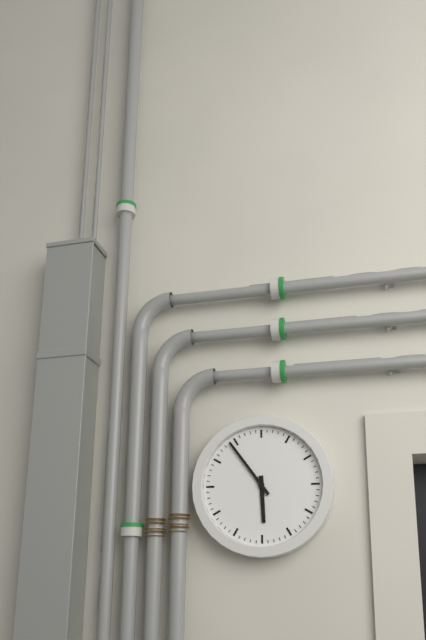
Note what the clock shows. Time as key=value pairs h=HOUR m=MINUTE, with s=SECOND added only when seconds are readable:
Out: h=5 m=54
